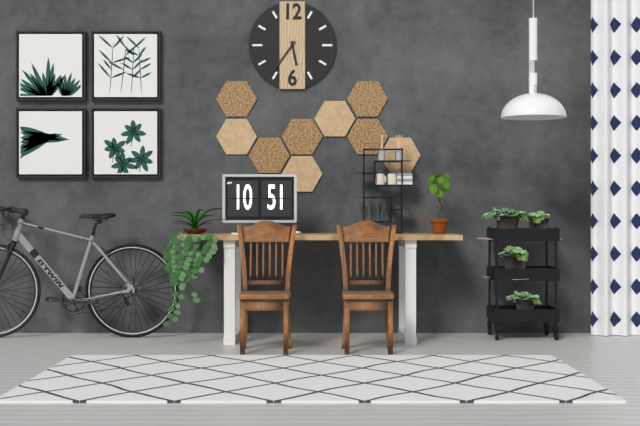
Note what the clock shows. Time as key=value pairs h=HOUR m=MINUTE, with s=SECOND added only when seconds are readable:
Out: h=5 m=36
